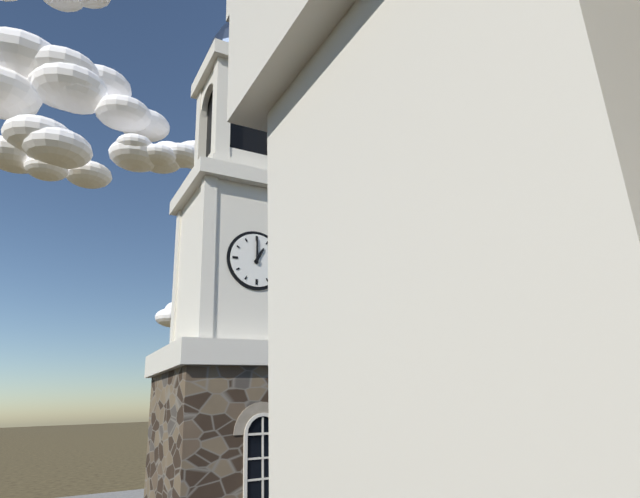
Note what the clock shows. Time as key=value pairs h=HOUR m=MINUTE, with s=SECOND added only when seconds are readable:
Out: h=1 m=0
